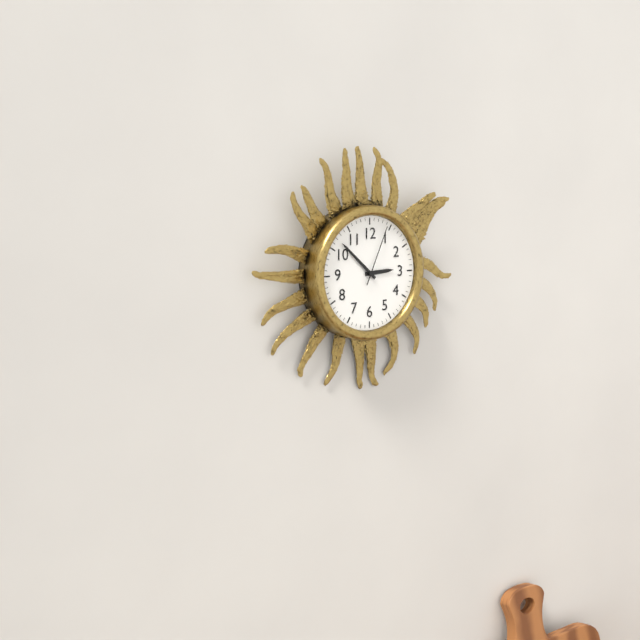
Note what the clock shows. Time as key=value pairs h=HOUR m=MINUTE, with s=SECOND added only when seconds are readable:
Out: h=2 m=52 s=4
